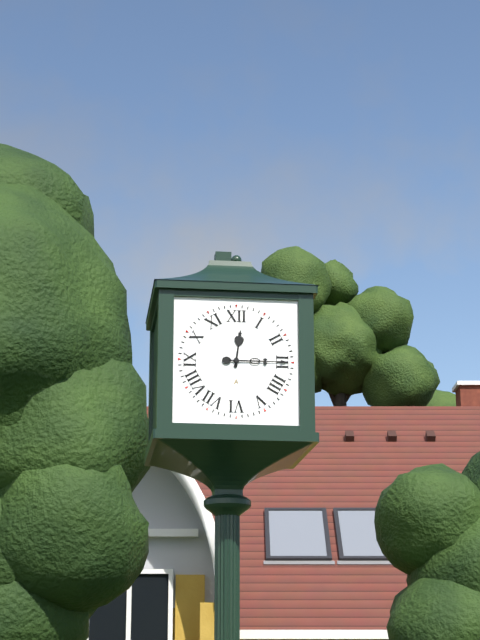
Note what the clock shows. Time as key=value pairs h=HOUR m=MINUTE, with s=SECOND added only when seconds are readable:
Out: h=12 m=15
